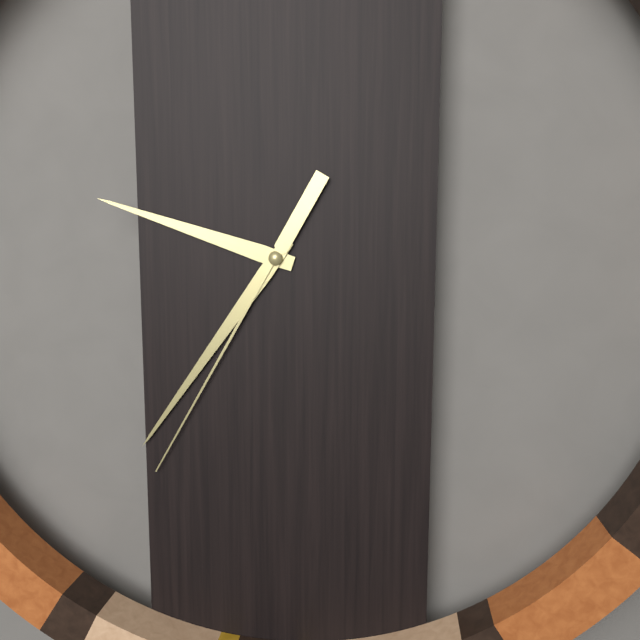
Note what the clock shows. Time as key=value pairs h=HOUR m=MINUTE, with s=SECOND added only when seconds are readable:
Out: h=9 m=36 s=35
